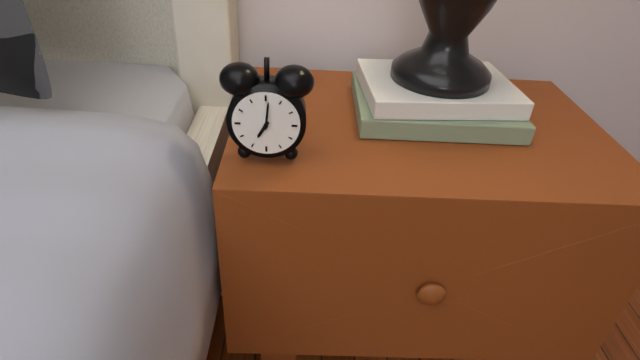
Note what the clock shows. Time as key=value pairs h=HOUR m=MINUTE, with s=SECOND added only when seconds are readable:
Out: h=7 m=1
